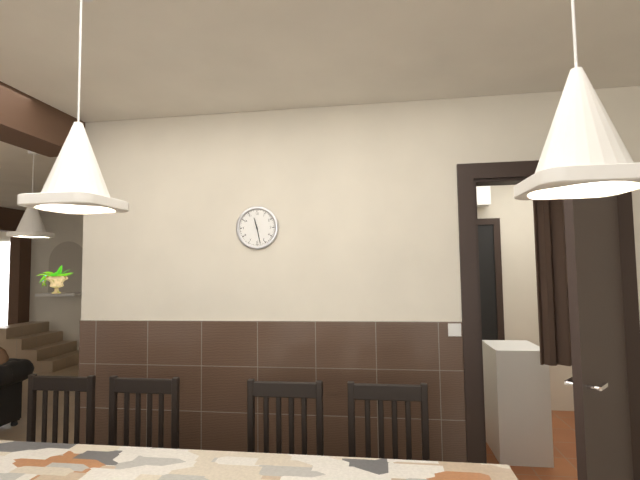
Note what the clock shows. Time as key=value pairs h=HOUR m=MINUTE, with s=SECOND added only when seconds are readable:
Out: h=11 m=28
